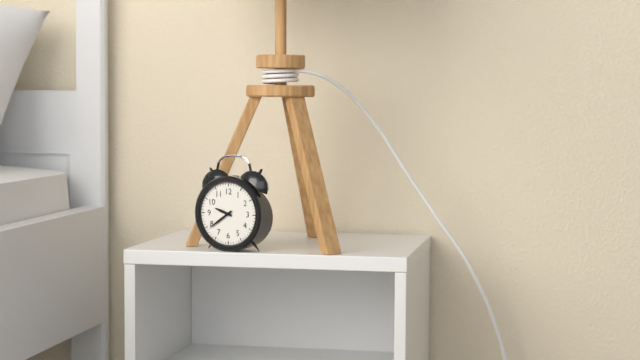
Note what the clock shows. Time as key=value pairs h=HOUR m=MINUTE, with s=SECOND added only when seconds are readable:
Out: h=9 m=39
